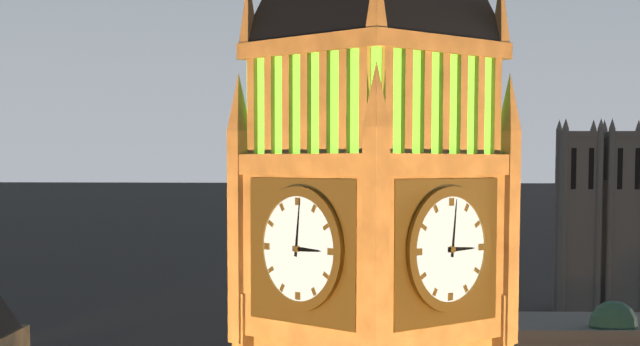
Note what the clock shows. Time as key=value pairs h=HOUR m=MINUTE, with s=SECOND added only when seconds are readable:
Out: h=3 m=1
